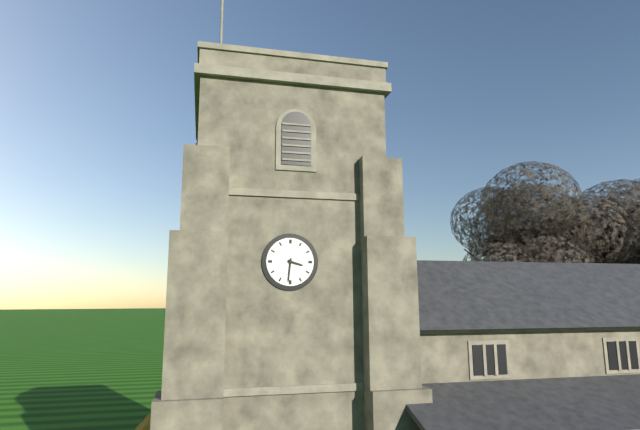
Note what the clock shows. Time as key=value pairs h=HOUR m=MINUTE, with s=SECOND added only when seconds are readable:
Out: h=3 m=31
